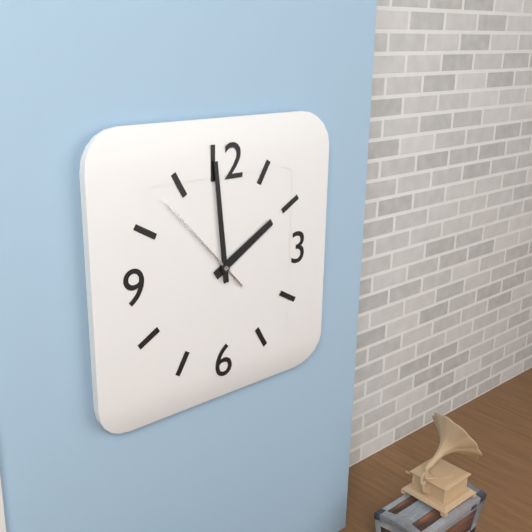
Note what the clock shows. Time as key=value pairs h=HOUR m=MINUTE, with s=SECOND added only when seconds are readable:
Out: h=1 m=59 s=53
